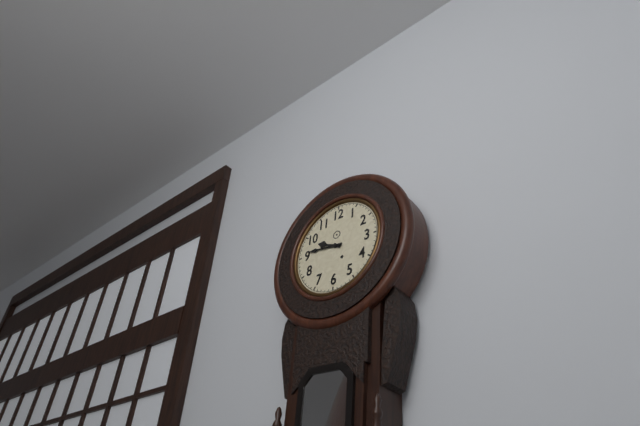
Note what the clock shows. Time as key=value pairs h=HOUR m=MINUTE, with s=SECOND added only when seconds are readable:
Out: h=9 m=46
